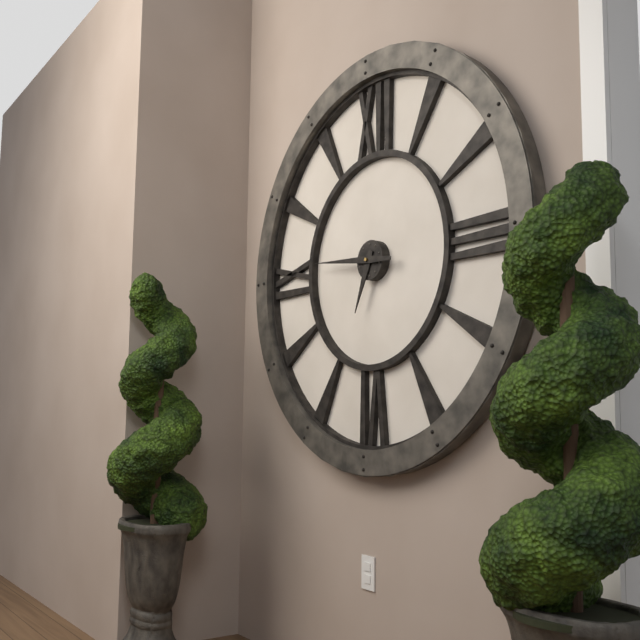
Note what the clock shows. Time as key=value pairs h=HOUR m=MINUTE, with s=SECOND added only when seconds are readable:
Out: h=6 m=46
